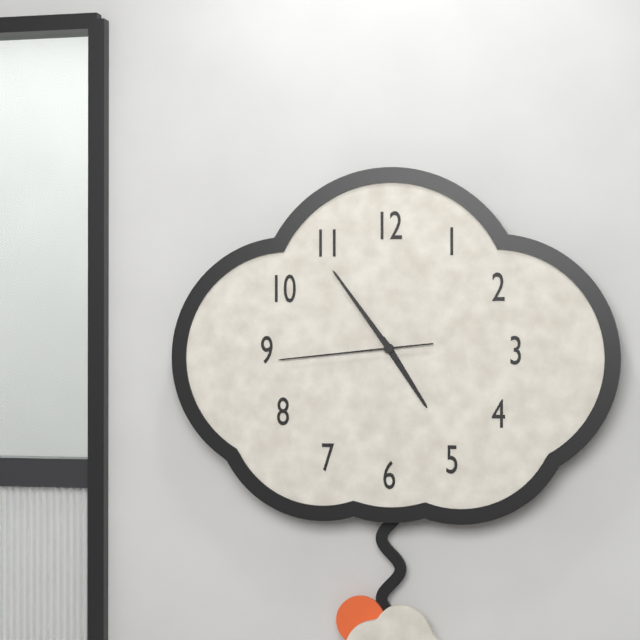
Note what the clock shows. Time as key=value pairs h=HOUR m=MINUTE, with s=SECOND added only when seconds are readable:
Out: h=4 m=54 s=44
